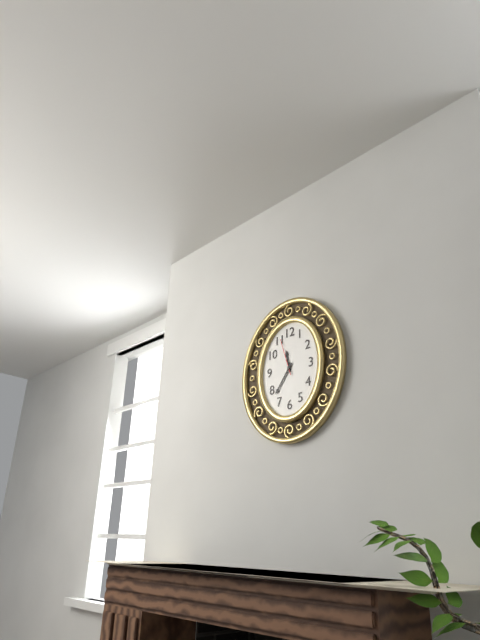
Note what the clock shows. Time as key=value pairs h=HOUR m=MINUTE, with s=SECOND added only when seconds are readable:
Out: h=11 m=36
